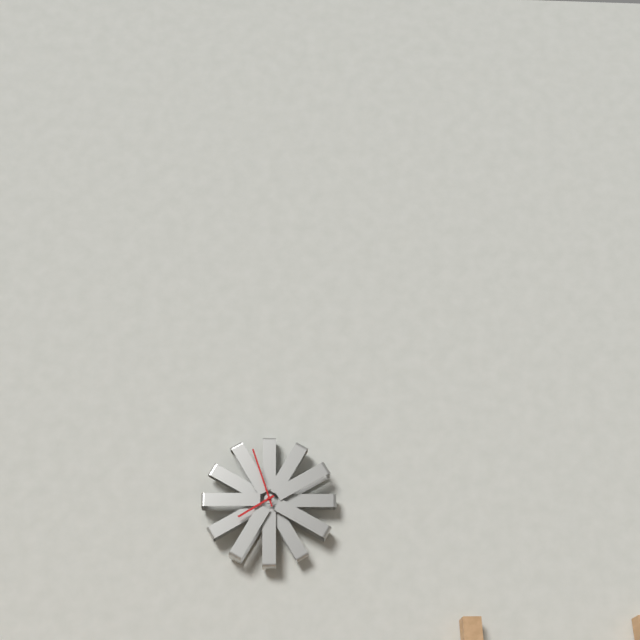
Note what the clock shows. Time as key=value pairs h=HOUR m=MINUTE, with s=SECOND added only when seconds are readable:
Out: h=7 m=57
